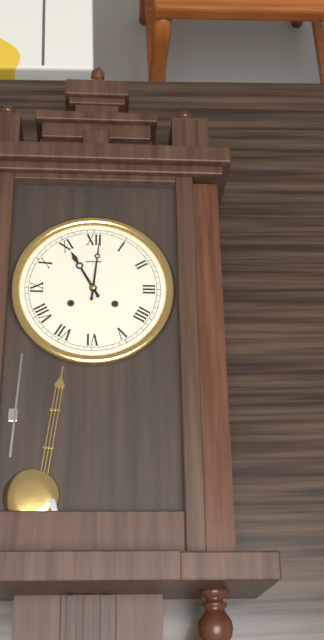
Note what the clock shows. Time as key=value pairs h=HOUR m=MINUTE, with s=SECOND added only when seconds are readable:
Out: h=11 m=1
